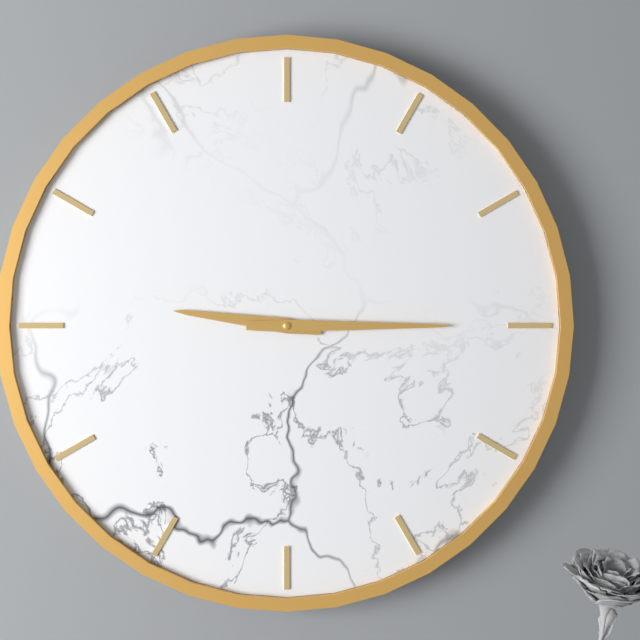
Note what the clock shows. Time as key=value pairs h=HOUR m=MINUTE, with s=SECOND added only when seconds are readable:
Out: h=9 m=15
